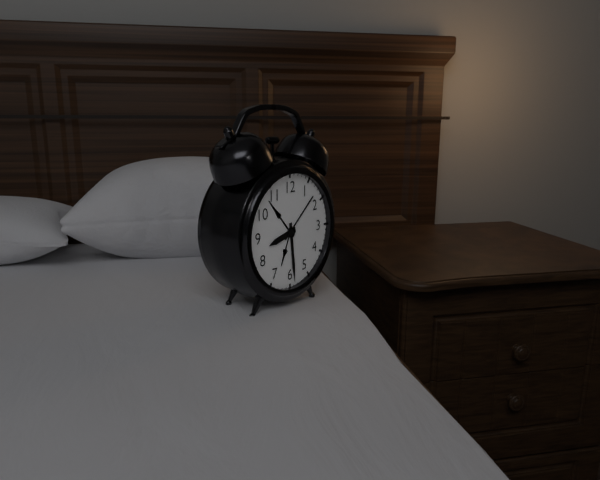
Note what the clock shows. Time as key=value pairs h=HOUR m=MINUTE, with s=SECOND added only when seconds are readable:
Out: h=8 m=29
